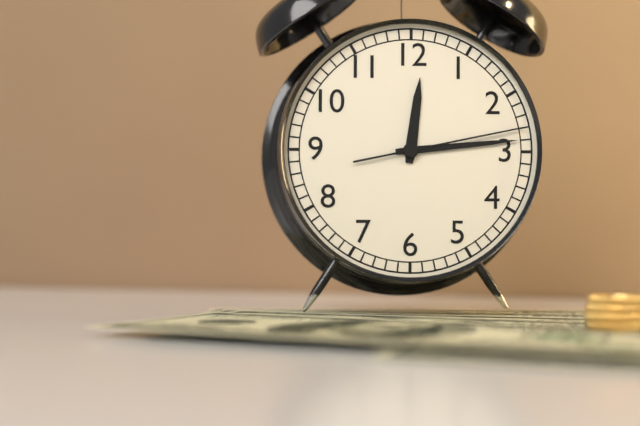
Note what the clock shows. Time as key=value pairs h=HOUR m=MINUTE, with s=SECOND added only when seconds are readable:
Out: h=12 m=14 s=13
